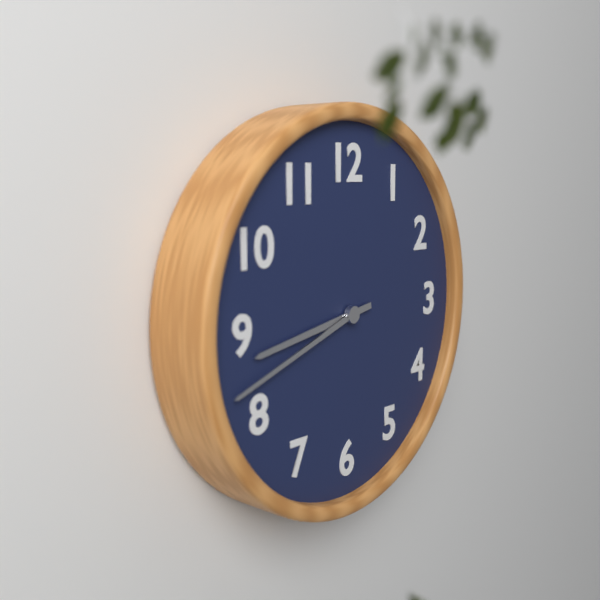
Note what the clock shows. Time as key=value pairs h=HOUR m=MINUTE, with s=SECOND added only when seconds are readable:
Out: h=8 m=42
